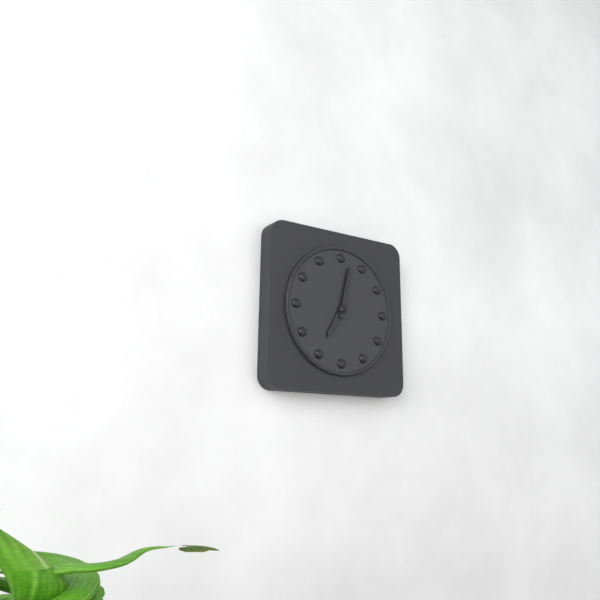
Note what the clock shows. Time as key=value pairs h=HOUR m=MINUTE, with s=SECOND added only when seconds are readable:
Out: h=7 m=2
